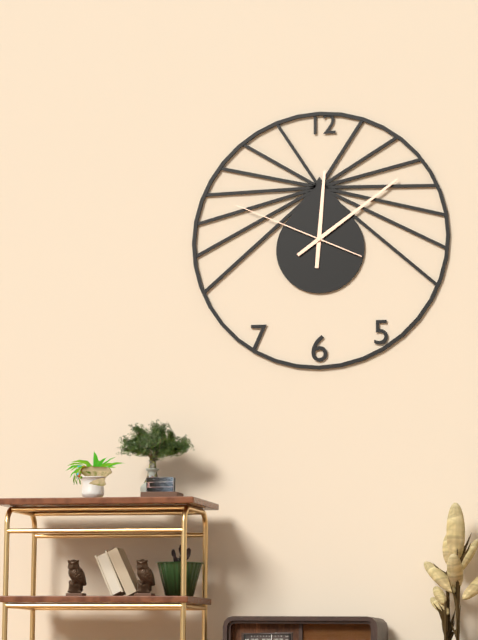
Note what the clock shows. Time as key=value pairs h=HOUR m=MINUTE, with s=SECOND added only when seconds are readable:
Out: h=12 m=9 s=49
